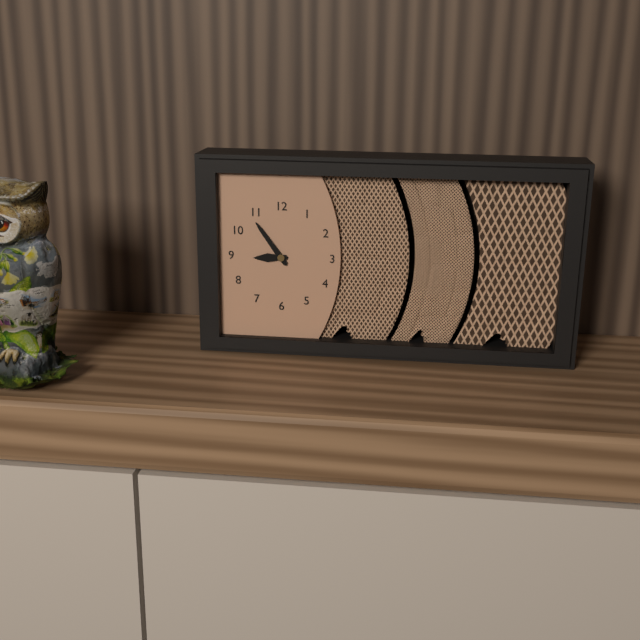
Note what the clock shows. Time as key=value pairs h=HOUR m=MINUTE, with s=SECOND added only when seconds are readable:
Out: h=8 m=54
